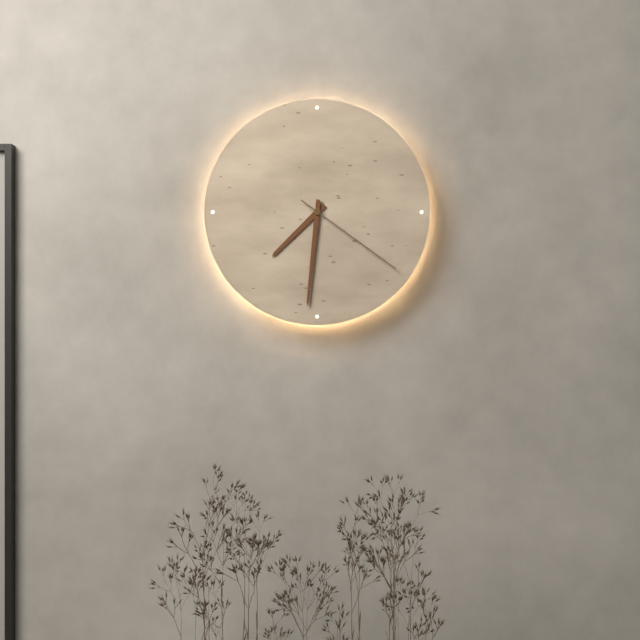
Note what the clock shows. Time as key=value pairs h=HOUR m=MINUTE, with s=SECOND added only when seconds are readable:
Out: h=7 m=31 s=21
